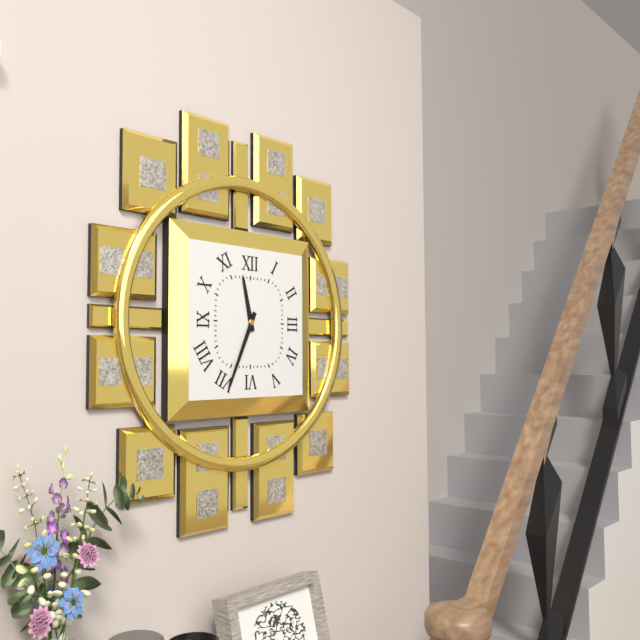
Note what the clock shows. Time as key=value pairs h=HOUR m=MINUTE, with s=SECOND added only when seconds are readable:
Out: h=11 m=34
